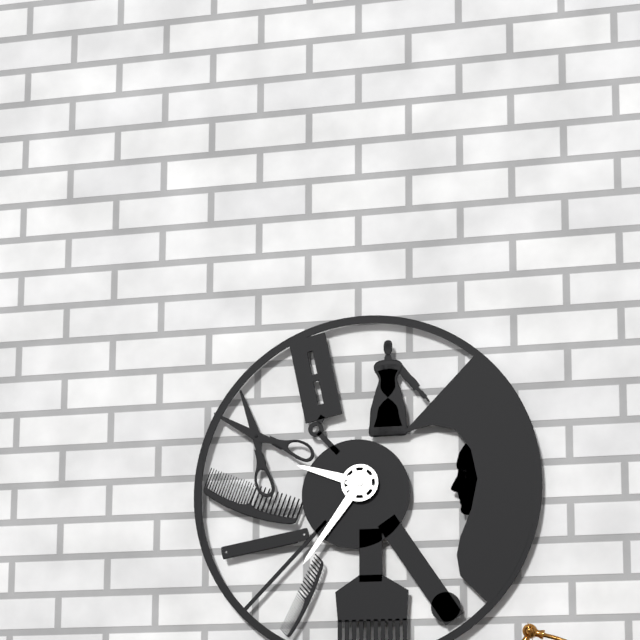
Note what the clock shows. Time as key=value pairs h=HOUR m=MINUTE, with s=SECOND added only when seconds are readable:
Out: h=9 m=36
